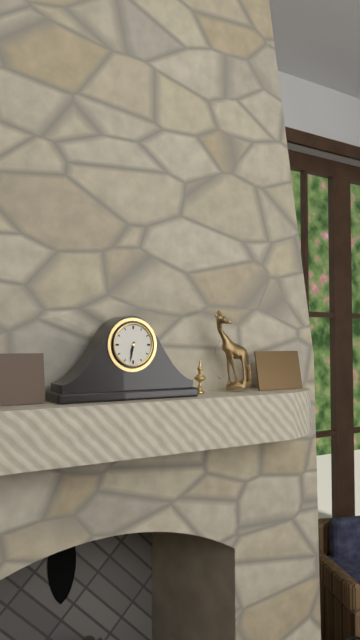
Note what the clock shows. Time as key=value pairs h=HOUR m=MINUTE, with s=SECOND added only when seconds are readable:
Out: h=6 m=32
